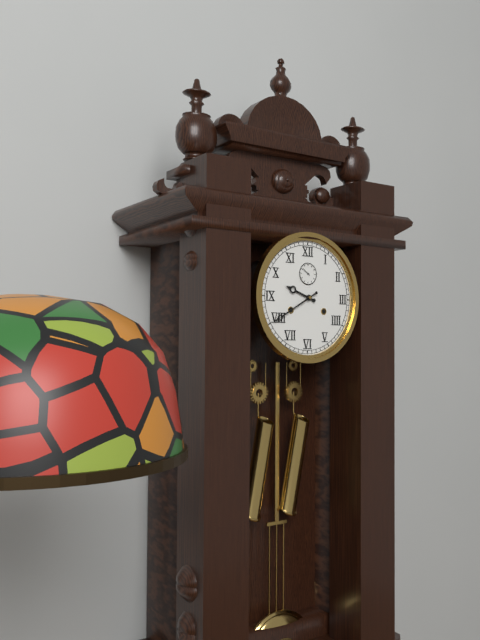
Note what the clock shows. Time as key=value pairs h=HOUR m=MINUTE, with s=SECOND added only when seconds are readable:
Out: h=9 m=40
